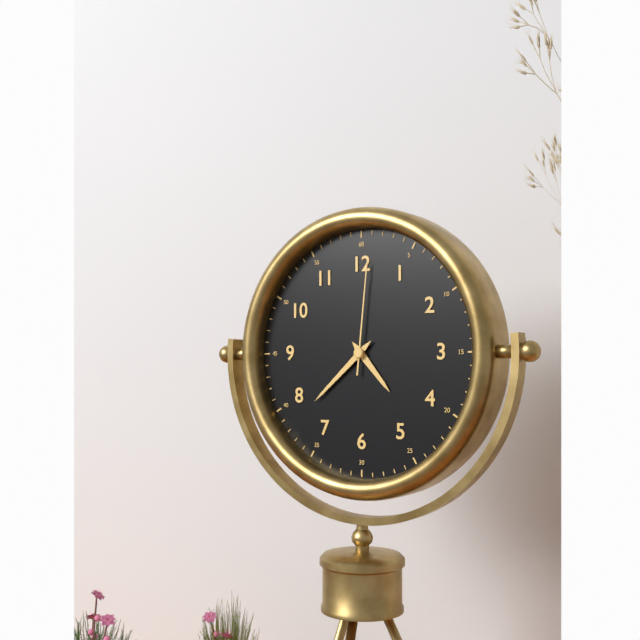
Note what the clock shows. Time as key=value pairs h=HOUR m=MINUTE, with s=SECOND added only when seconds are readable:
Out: h=4 m=38 s=1
